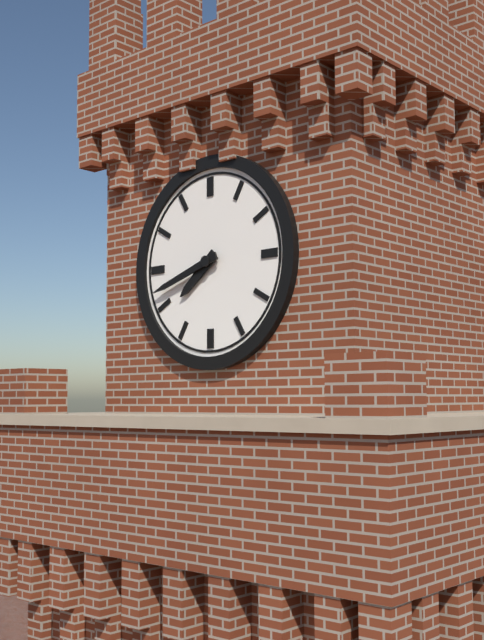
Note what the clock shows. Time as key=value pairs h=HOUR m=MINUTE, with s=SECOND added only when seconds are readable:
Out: h=7 m=42
